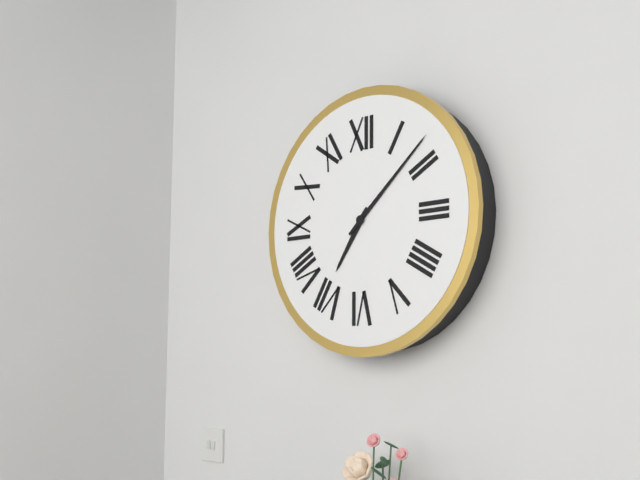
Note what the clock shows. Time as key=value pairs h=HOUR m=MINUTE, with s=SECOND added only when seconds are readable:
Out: h=7 m=8
